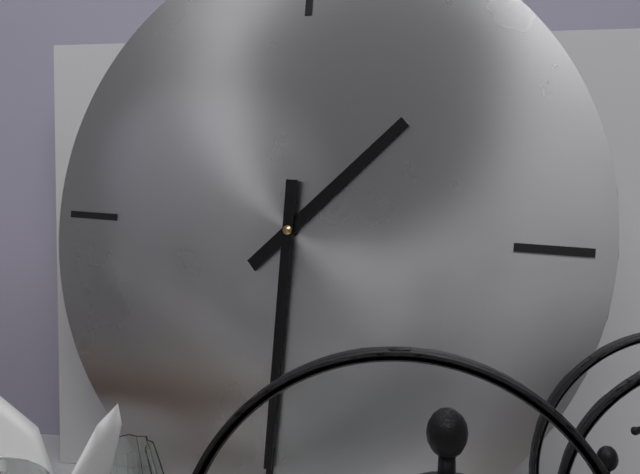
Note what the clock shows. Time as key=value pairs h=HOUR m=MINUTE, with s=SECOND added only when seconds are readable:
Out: h=1 m=30
